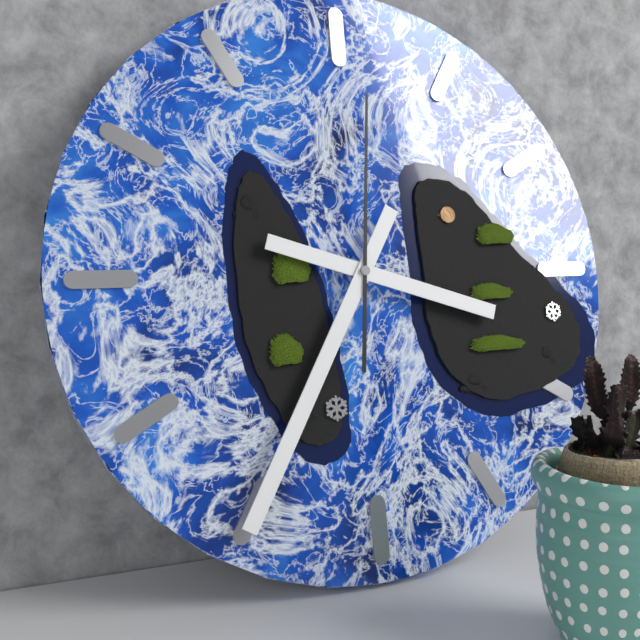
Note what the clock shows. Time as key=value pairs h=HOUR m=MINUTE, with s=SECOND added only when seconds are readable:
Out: h=3 m=35 s=1
